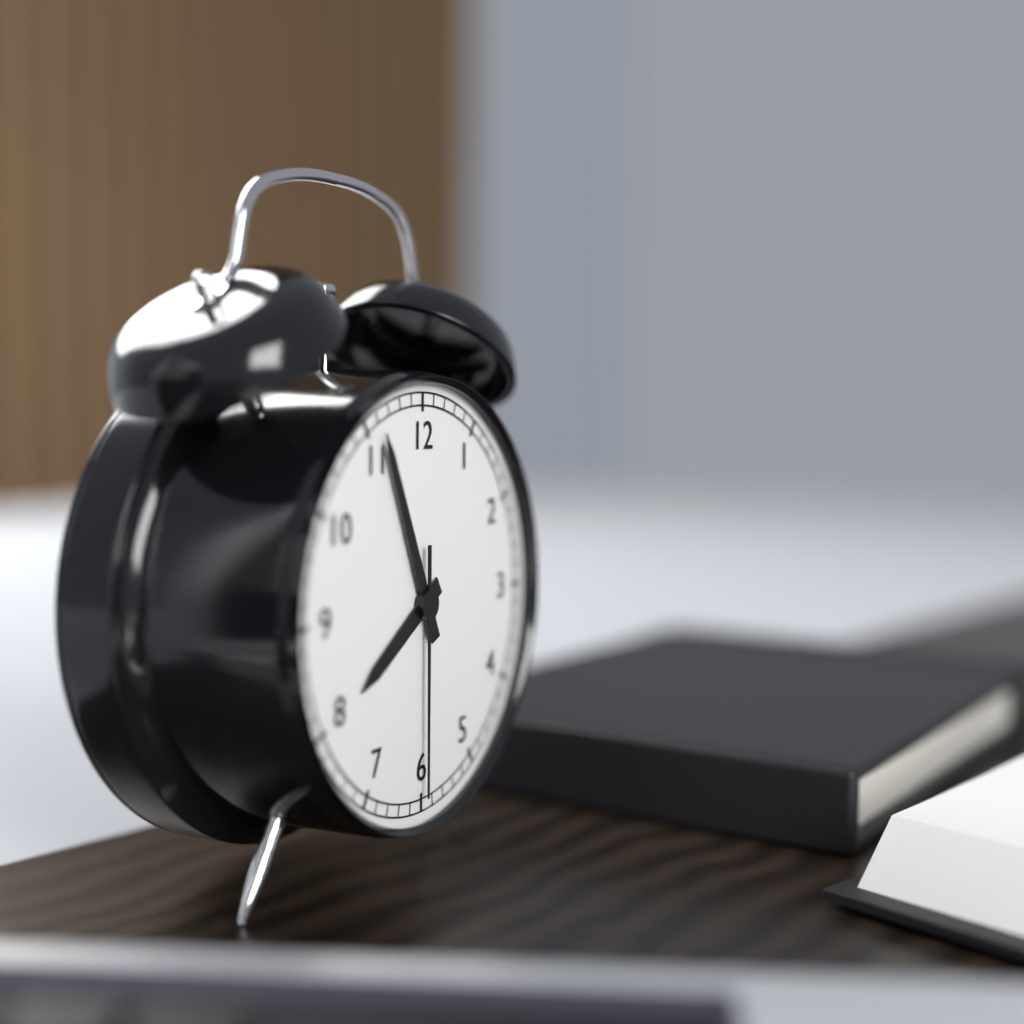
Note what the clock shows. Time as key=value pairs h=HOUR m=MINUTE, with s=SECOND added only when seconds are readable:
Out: h=7 m=56 s=30
